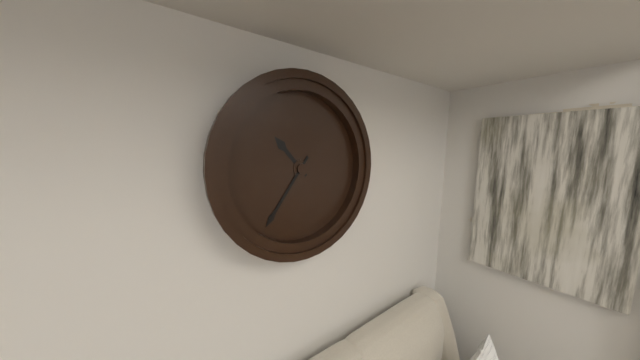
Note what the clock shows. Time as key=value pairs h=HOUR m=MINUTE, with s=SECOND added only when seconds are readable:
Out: h=10 m=36
